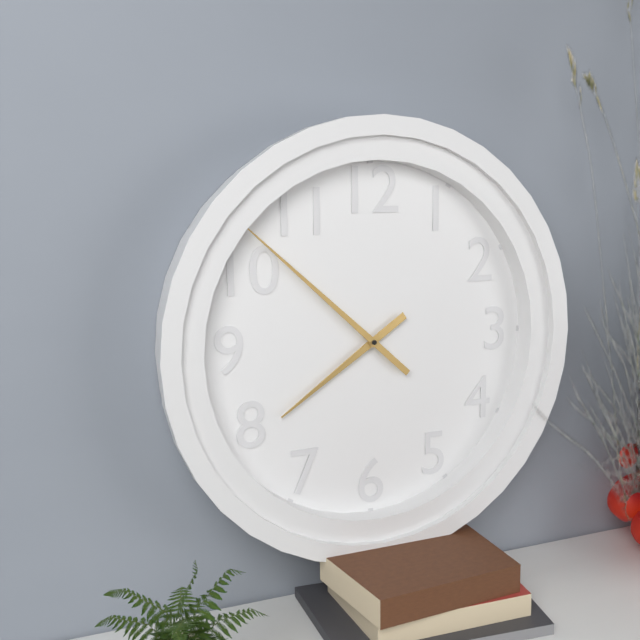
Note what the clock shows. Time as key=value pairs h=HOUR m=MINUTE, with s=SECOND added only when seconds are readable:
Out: h=7 m=52
